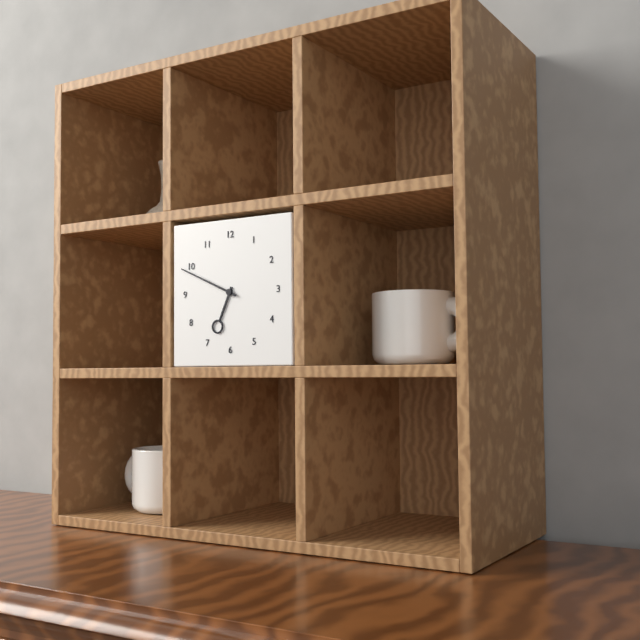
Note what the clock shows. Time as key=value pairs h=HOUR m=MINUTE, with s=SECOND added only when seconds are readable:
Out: h=6 m=49
